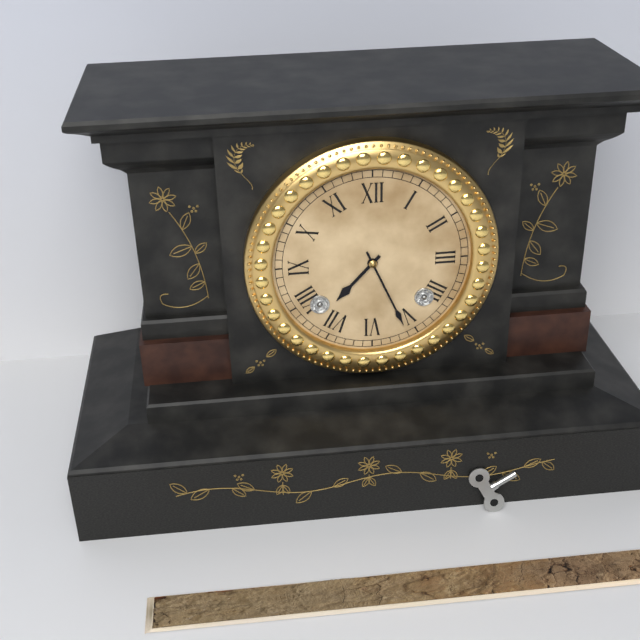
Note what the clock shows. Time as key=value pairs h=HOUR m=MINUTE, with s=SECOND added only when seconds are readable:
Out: h=7 m=26
